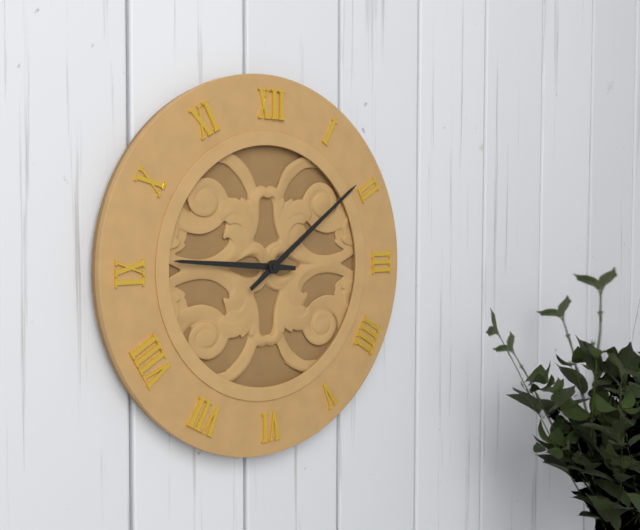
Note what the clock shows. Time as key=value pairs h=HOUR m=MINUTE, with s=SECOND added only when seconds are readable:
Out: h=9 m=9
